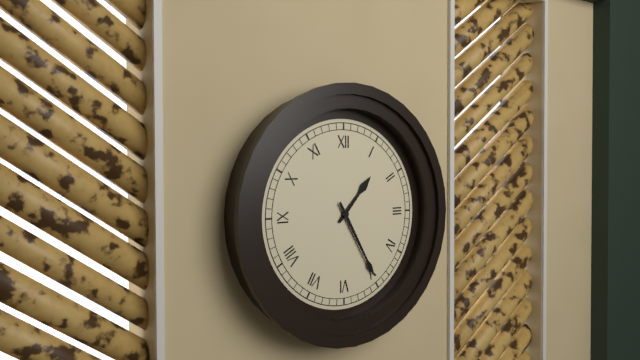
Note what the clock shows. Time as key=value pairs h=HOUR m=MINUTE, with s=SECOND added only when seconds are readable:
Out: h=1 m=25
